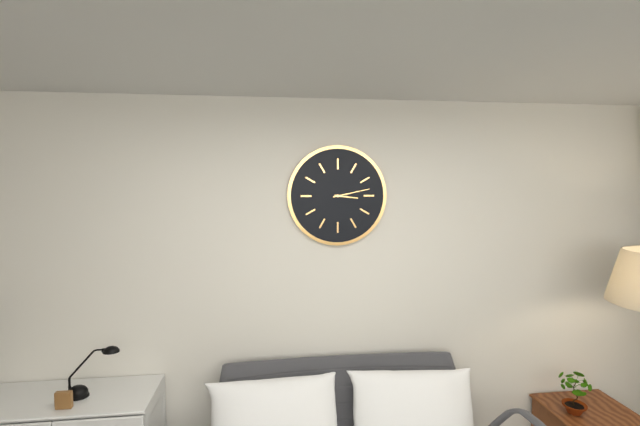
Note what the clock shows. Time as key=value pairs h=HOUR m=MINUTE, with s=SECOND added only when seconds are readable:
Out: h=3 m=13
